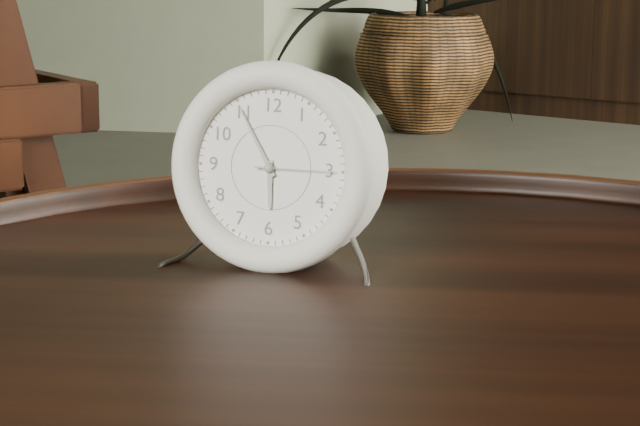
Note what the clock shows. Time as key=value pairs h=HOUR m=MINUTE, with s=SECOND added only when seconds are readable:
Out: h=5 m=55 s=15
